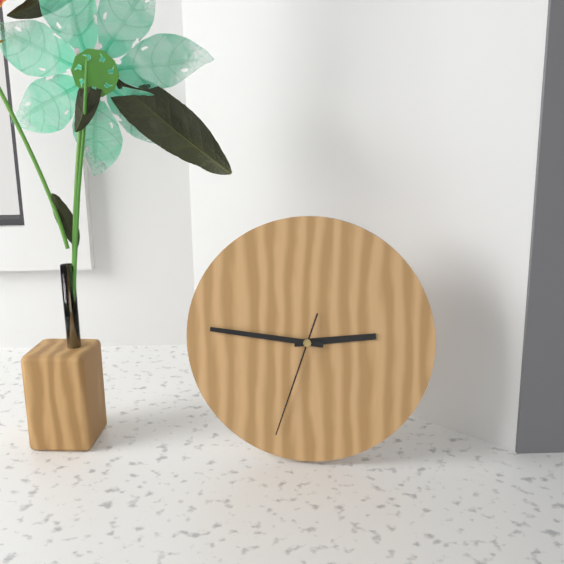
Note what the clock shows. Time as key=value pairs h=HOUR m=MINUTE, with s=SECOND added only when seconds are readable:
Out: h=2 m=46 s=33
